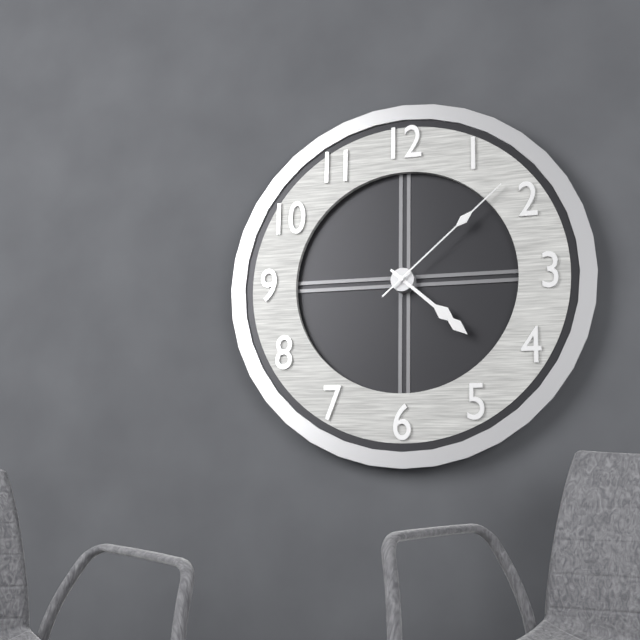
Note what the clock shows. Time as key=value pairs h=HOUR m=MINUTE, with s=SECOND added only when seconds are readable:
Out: h=4 m=22 s=8
